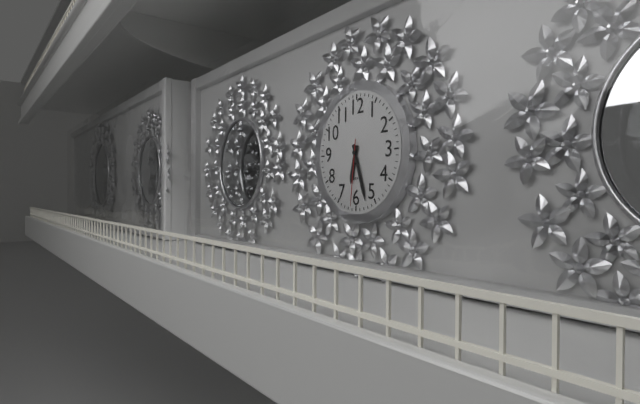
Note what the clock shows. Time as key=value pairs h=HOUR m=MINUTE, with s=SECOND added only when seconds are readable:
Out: h=6 m=27 s=31
